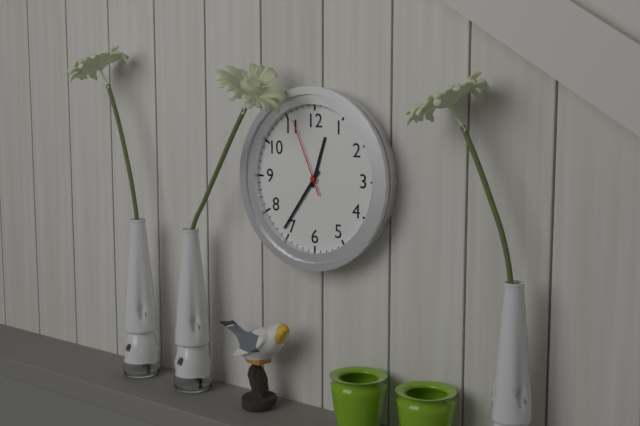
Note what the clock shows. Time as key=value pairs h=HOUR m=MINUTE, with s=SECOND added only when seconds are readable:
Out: h=12 m=36 s=56
